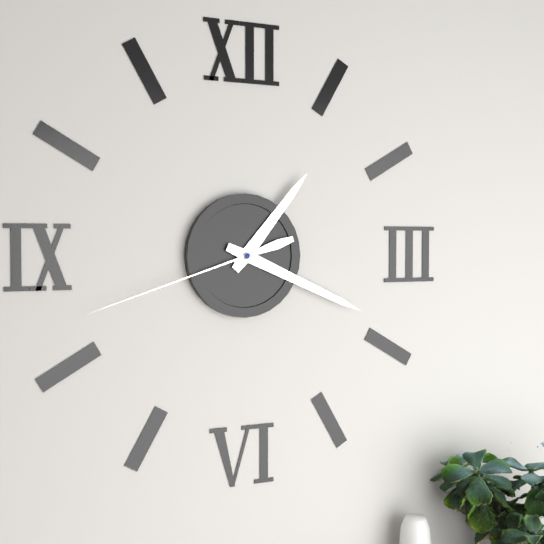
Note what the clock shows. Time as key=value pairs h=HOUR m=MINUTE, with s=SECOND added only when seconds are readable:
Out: h=1 m=19 s=42
